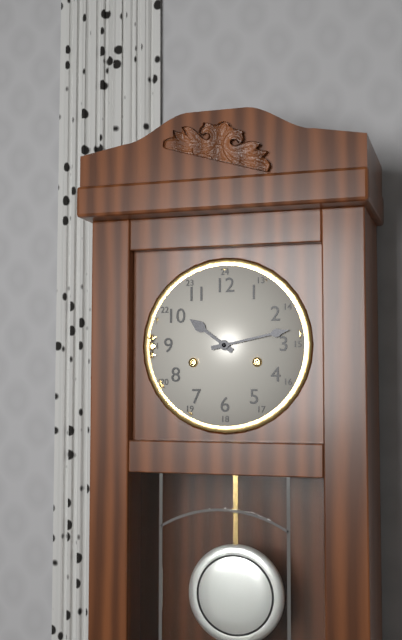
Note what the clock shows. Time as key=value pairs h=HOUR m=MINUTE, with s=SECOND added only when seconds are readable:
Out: h=10 m=13
